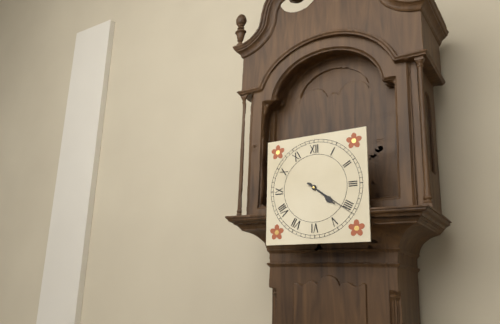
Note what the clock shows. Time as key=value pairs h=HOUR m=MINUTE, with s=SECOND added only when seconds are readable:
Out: h=4 m=21
